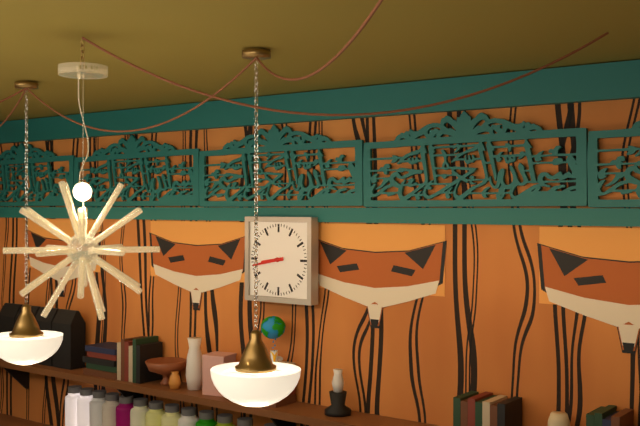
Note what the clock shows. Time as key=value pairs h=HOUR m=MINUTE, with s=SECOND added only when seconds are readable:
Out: h=8 m=43
